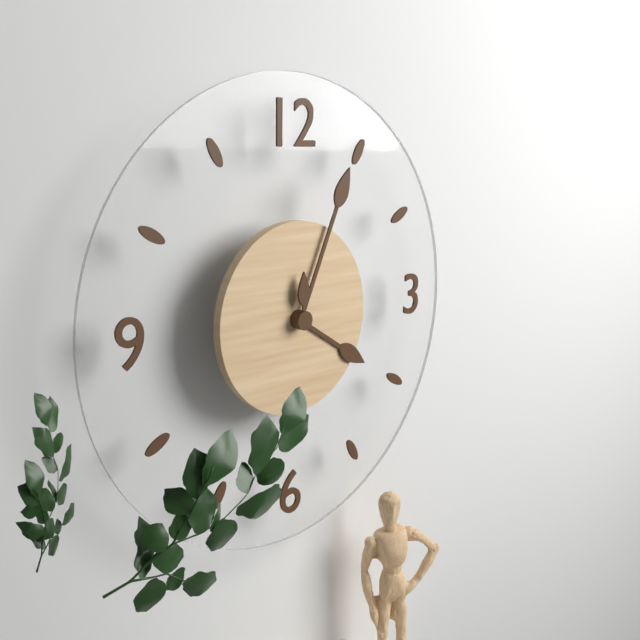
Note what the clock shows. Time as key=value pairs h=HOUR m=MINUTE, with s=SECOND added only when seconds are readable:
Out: h=4 m=4 s=0
